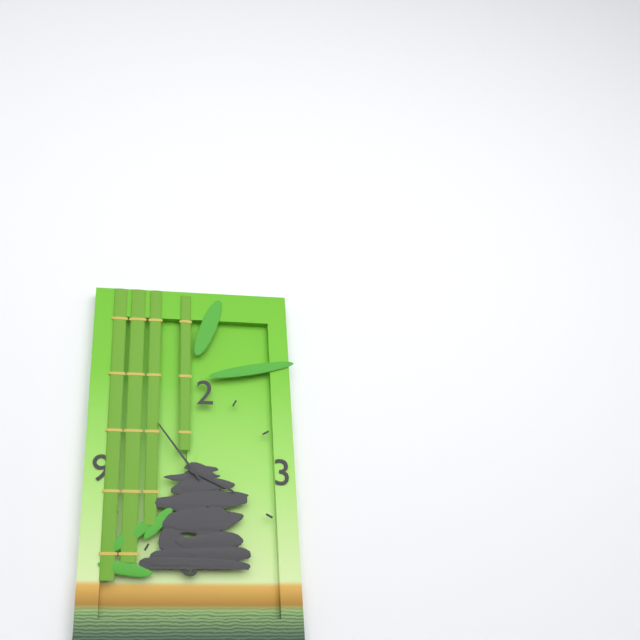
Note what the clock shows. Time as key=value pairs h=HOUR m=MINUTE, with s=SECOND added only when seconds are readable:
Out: h=3 m=54
